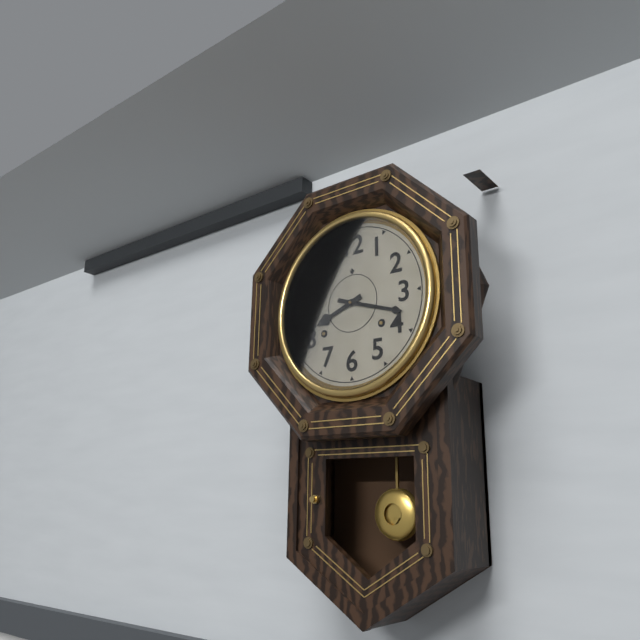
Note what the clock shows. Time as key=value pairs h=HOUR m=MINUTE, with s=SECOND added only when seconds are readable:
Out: h=8 m=18
